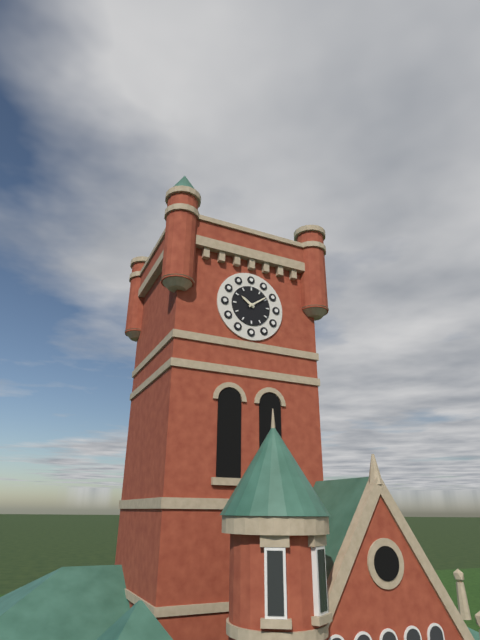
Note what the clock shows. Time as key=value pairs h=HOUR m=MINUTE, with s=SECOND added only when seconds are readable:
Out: h=10 m=9
